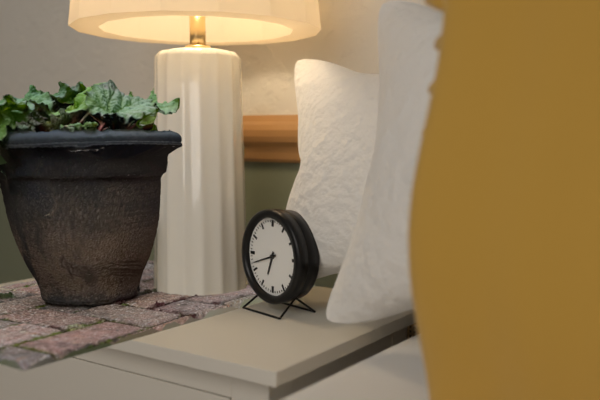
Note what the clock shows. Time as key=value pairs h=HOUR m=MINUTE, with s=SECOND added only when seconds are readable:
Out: h=6 m=42
